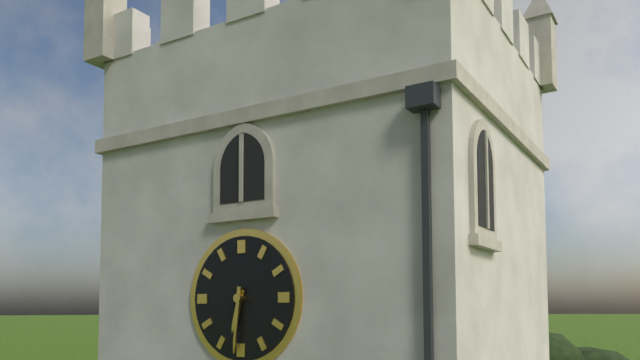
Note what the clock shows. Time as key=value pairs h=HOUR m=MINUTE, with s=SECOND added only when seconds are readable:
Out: h=6 m=31
